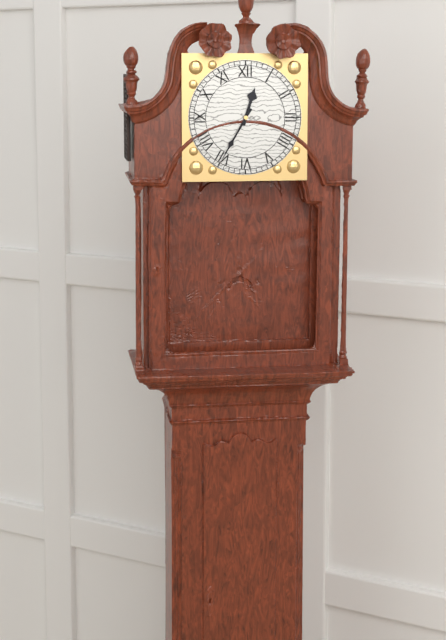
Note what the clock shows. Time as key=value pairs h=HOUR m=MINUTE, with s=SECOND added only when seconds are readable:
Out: h=12 m=35
